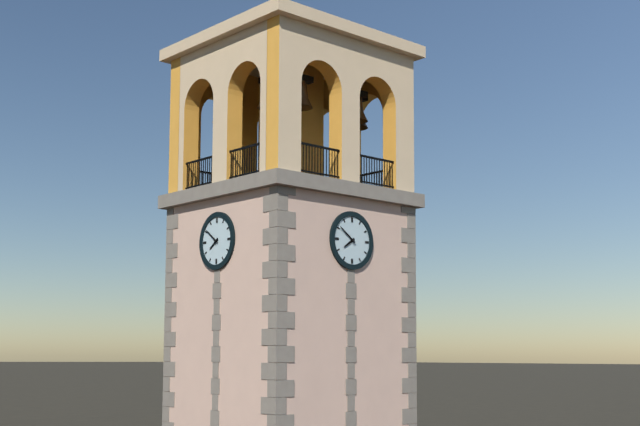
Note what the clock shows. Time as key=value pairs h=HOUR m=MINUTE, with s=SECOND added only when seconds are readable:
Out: h=7 m=51
